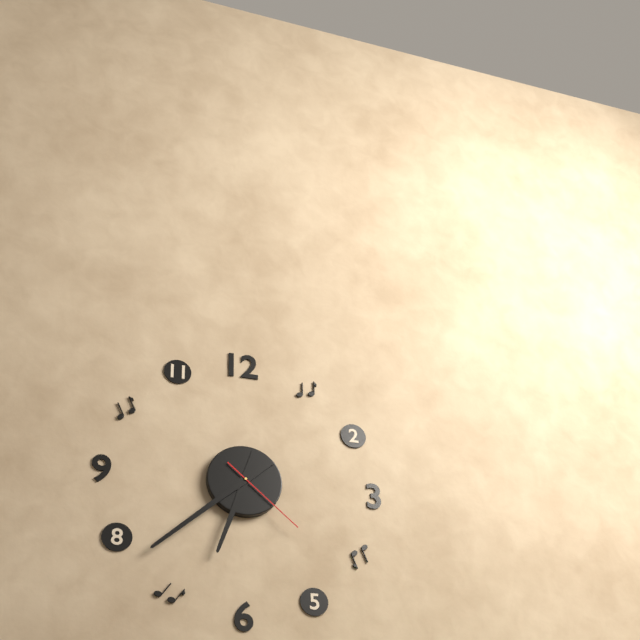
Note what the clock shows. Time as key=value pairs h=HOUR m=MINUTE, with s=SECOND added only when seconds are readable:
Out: h=6 m=38 s=22
